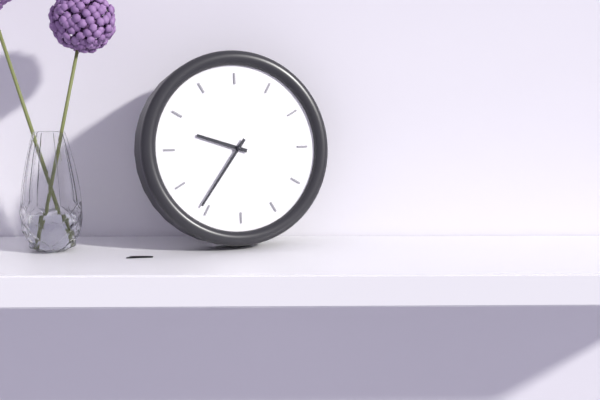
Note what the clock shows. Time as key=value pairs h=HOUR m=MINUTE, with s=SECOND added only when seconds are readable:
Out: h=9 m=36
